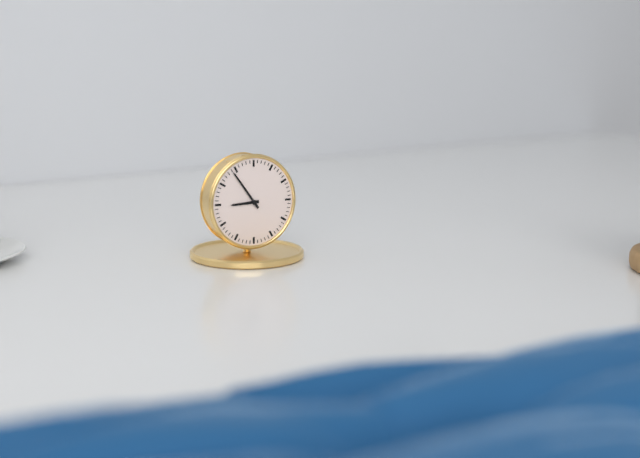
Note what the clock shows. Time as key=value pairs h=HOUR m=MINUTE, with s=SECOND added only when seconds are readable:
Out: h=8 m=54
